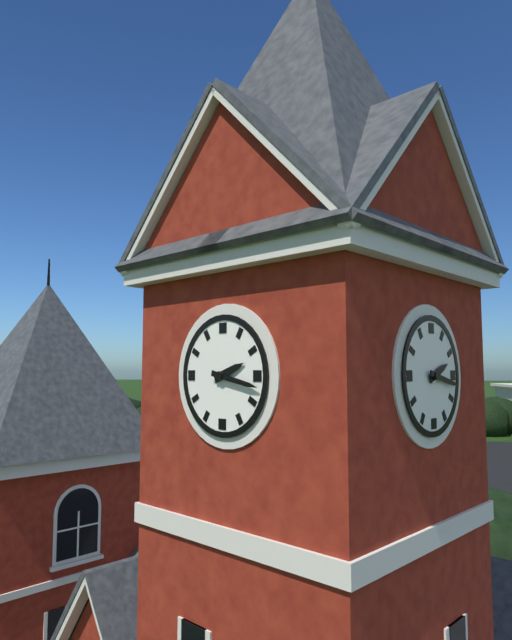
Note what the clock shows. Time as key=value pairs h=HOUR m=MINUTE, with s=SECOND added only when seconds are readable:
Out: h=2 m=17
